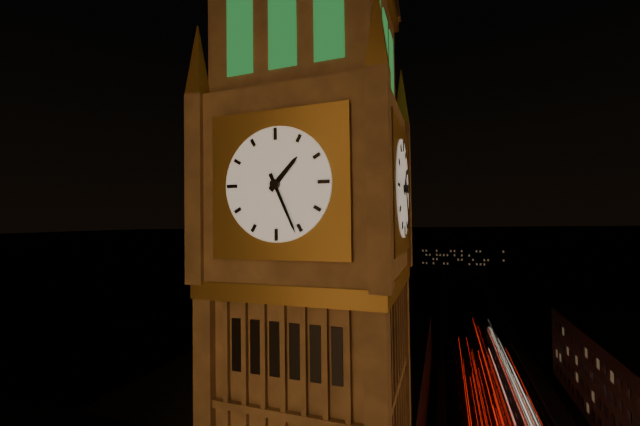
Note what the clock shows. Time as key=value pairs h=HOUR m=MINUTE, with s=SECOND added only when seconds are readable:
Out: h=1 m=26
